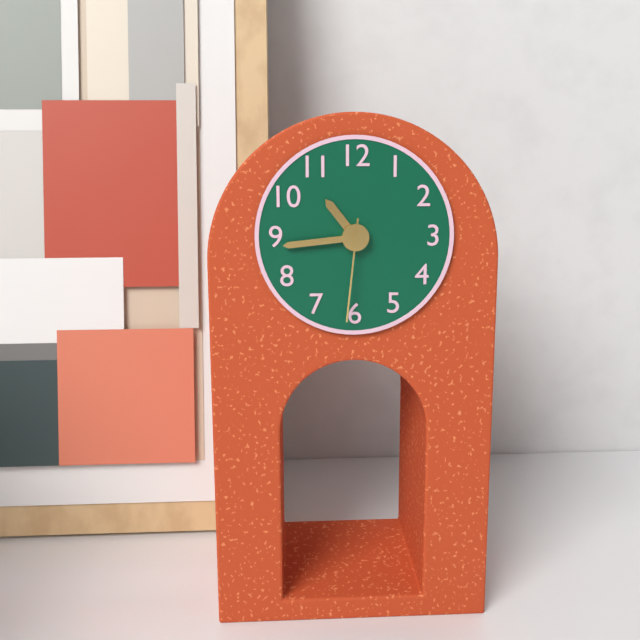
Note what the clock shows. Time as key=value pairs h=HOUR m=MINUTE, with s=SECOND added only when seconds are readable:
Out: h=10 m=44 s=31
